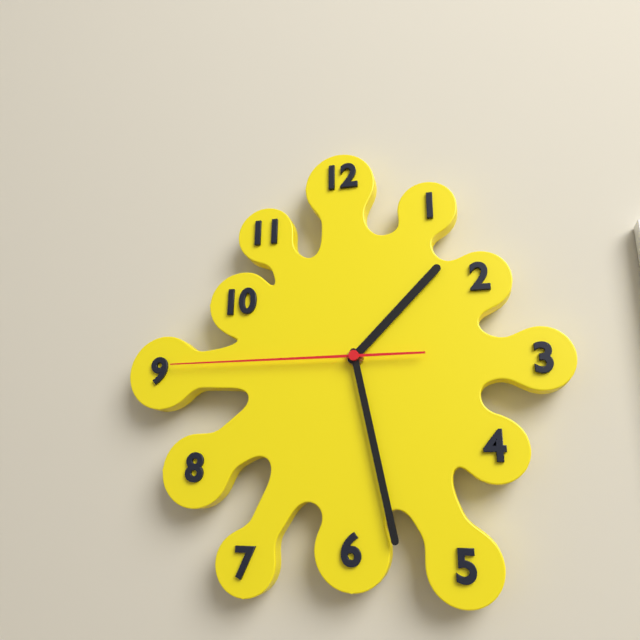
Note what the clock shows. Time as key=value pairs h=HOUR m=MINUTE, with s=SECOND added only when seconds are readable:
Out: h=1 m=28 s=45
